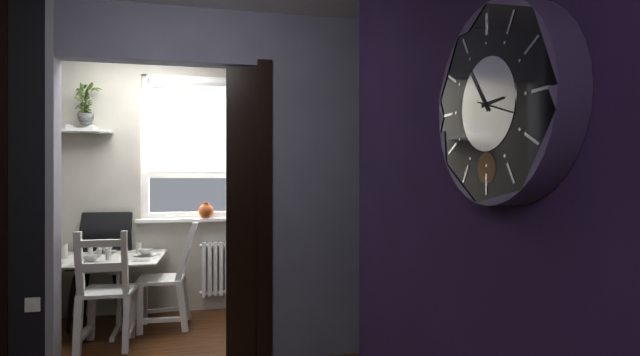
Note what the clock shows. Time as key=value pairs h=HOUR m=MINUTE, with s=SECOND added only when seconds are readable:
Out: h=2 m=54
